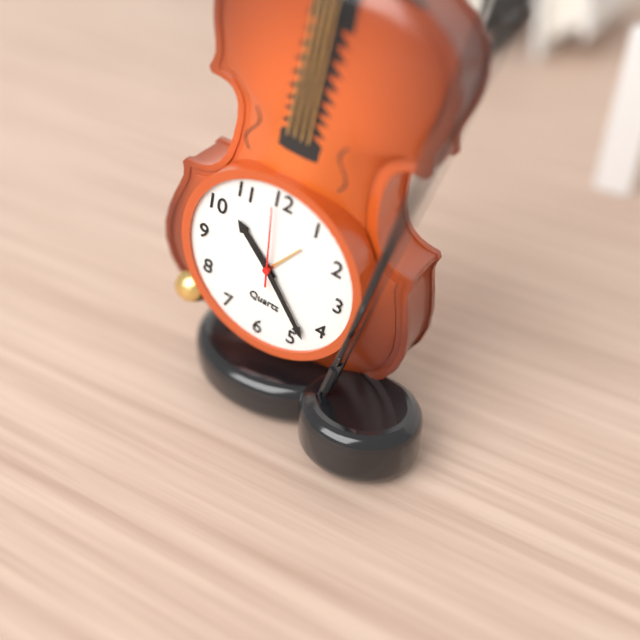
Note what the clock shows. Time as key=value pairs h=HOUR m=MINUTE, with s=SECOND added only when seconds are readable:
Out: h=10 m=23 s=59
